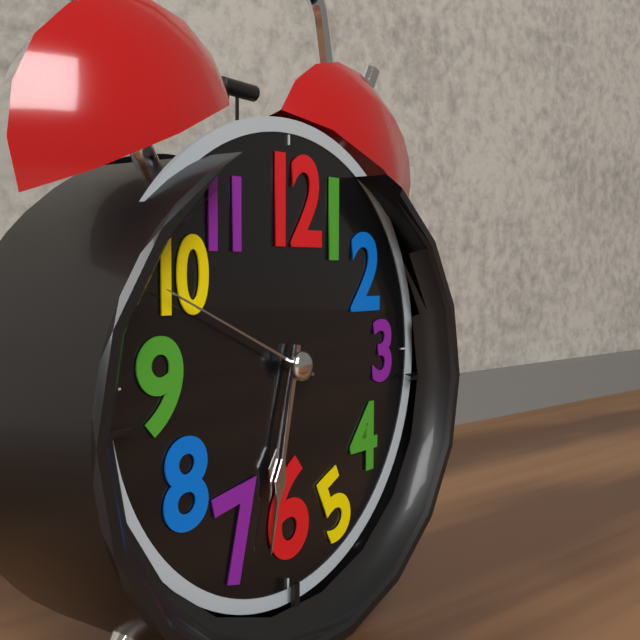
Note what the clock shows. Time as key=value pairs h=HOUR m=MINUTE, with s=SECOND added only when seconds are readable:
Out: h=6 m=32 s=49
